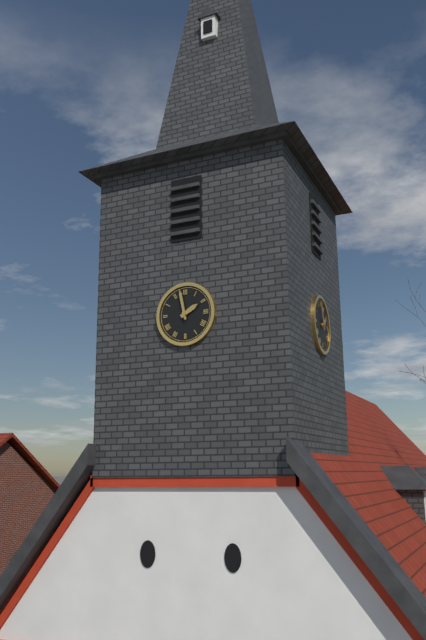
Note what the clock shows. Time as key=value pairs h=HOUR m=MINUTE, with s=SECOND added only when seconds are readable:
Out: h=1 m=58
